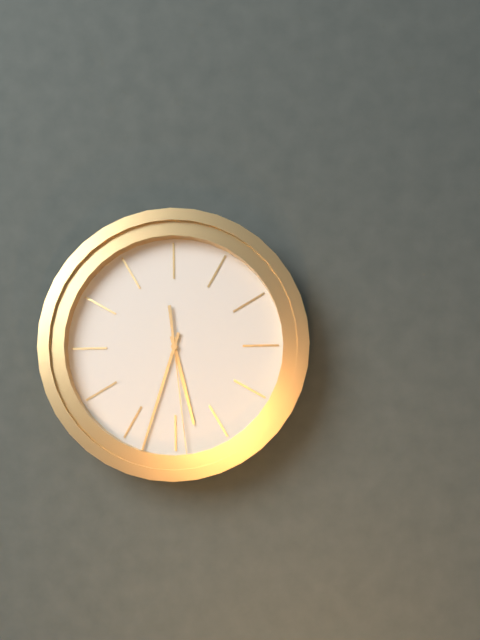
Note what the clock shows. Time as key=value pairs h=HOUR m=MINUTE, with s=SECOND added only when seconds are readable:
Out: h=5 m=33 s=29
